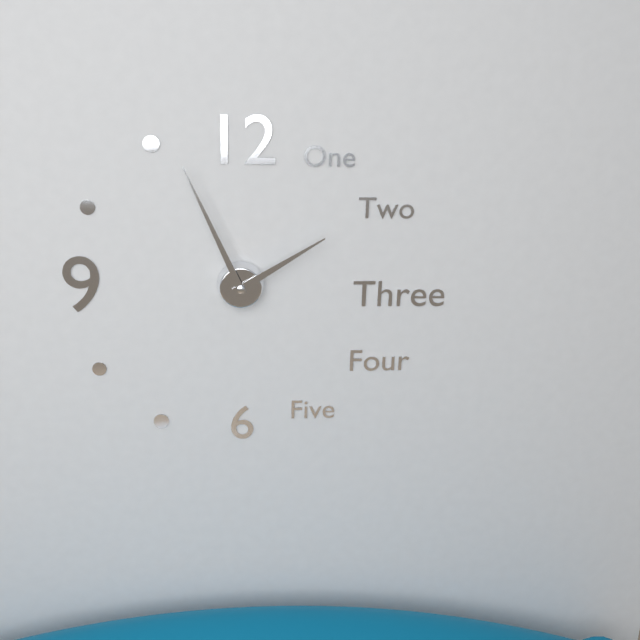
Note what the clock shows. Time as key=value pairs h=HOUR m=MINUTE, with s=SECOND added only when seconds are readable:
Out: h=1 m=56
